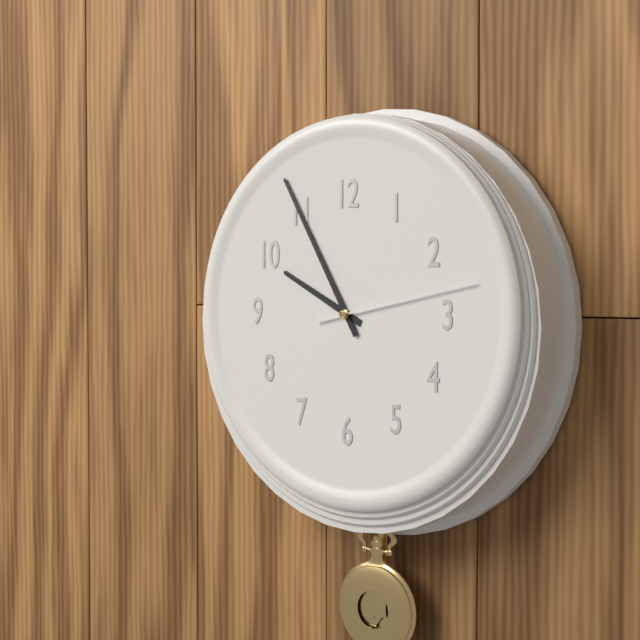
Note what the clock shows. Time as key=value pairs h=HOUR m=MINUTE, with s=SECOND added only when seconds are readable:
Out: h=9 m=55 s=13
